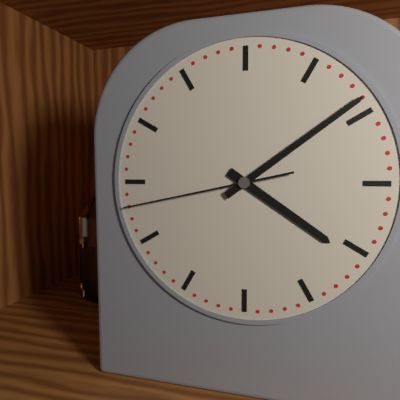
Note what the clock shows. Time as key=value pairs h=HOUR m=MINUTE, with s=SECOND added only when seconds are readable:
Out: h=4 m=9 s=43
